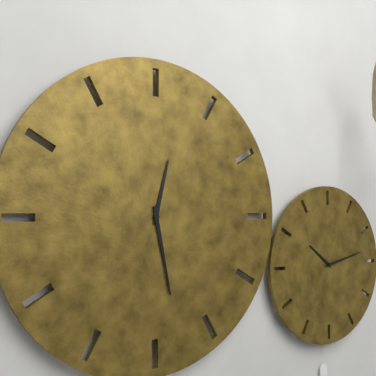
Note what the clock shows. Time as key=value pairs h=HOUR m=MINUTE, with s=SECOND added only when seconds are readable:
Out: h=12 m=28
